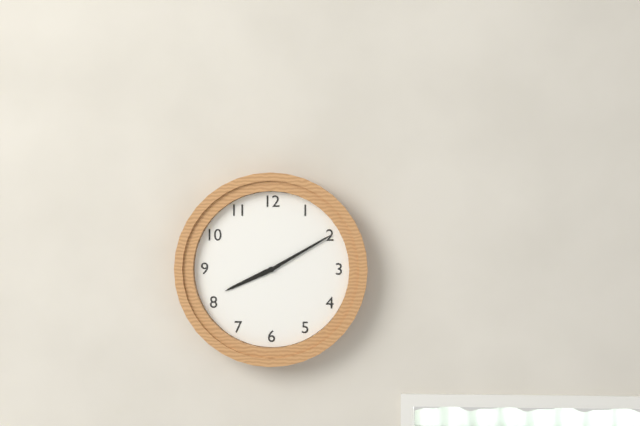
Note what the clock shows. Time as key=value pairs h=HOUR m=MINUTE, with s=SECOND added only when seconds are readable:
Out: h=8 m=10
